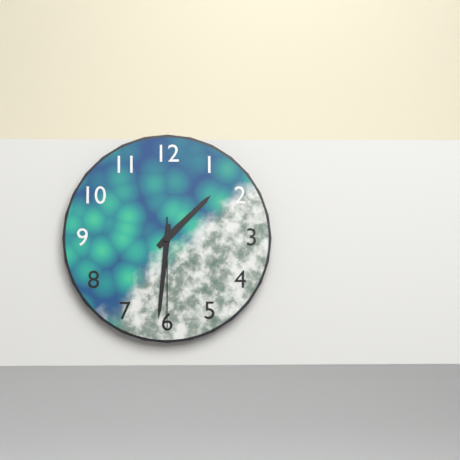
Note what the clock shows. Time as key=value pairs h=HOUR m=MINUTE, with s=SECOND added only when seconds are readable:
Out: h=1 m=31 s=30
